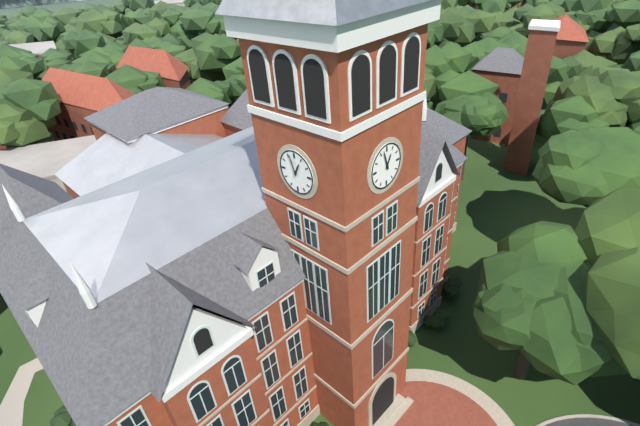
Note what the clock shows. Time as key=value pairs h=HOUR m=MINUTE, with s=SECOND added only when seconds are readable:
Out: h=12 m=57
